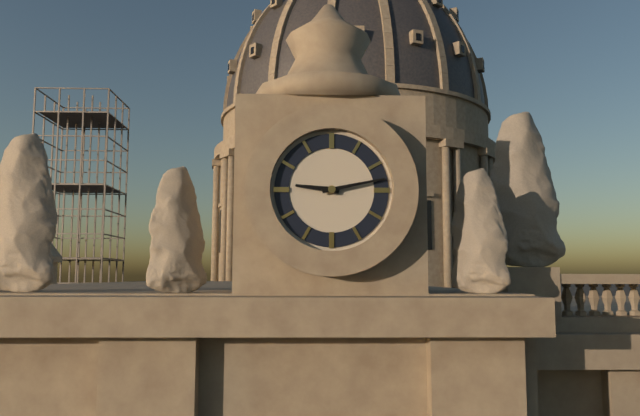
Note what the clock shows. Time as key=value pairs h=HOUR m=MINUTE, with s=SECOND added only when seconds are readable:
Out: h=9 m=13
